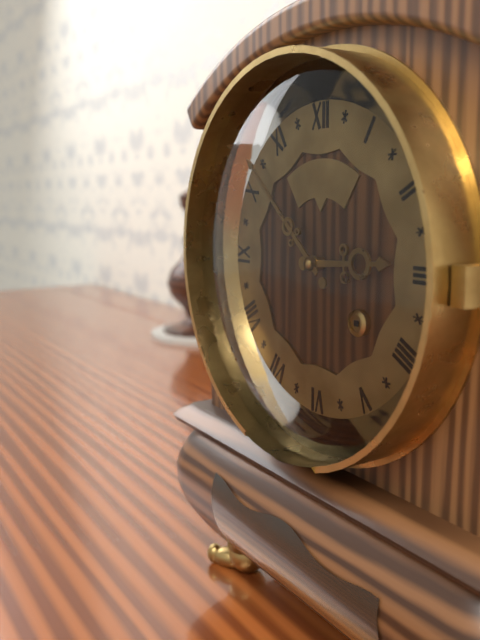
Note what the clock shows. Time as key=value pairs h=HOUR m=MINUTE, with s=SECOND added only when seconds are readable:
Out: h=2 m=52
